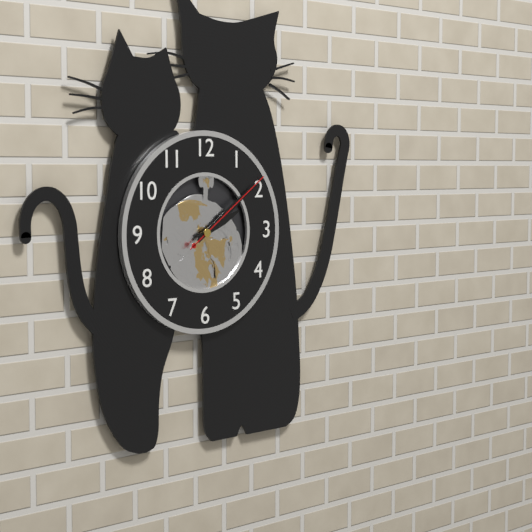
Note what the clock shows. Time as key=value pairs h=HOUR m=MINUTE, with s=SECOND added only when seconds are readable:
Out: h=2 m=9 s=9
